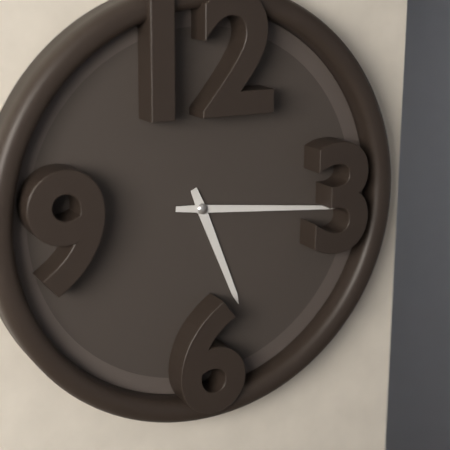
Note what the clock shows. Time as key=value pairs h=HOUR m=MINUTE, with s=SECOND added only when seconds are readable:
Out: h=5 m=16
